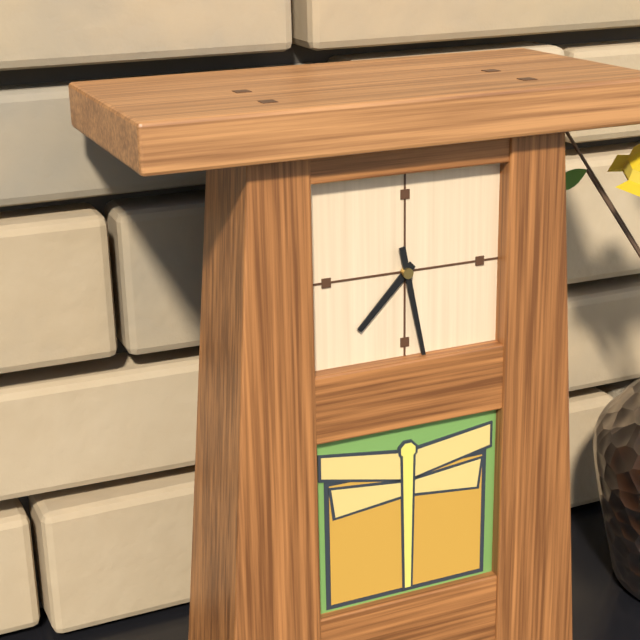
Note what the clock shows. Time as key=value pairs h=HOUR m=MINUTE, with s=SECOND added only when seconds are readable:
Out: h=7 m=28
